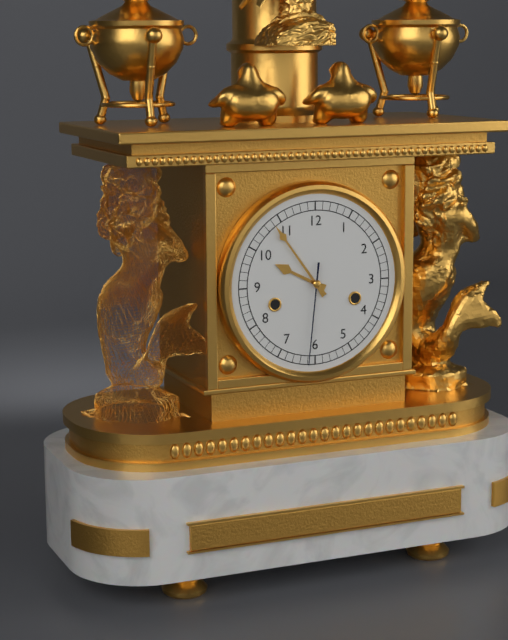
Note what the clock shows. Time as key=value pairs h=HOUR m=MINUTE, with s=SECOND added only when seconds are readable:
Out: h=9 m=54 s=31
